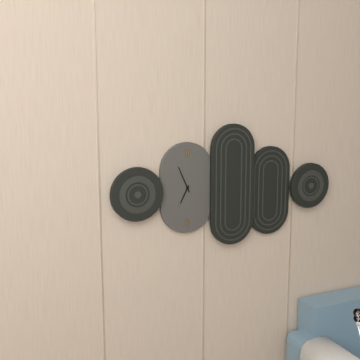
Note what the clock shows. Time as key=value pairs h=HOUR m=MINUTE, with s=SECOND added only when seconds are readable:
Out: h=6 m=56
